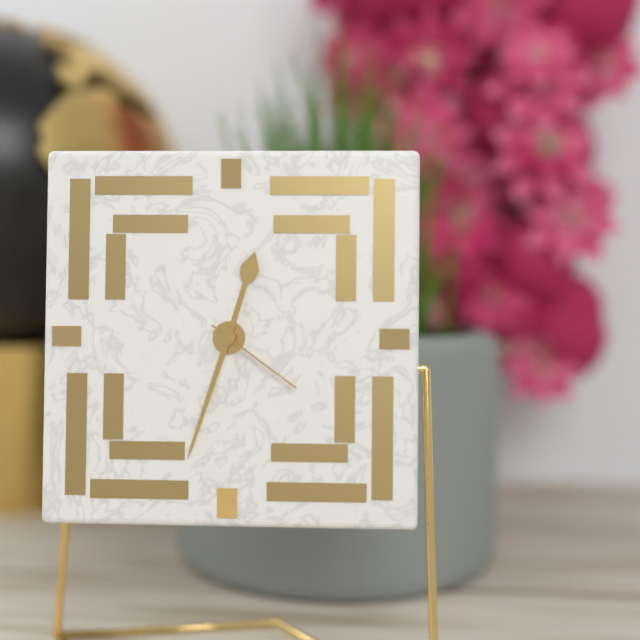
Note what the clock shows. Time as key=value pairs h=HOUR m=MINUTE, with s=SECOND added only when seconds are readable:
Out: h=12 m=33 s=21
